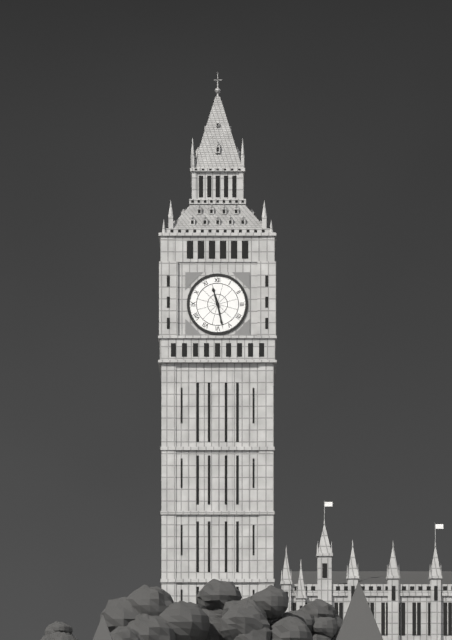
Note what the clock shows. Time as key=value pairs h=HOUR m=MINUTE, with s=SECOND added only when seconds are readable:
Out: h=11 m=28
